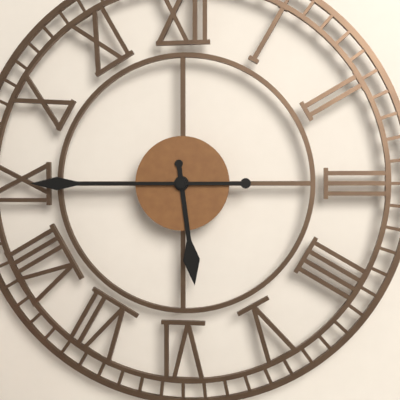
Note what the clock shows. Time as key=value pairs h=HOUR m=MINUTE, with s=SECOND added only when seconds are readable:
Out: h=5 m=45
